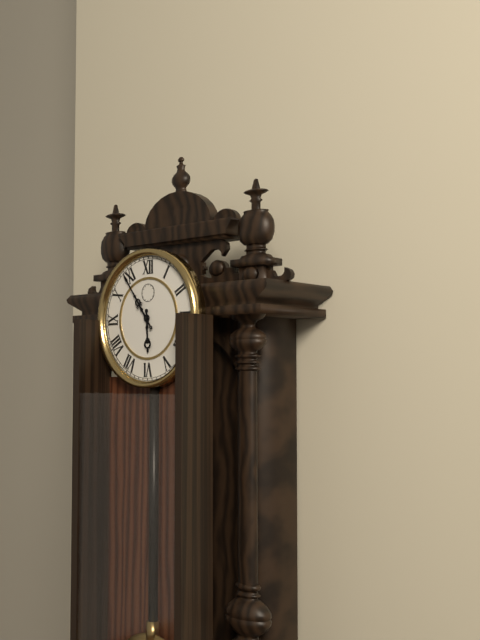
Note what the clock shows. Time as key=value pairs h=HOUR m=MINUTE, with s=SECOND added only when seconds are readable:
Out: h=5 m=54
